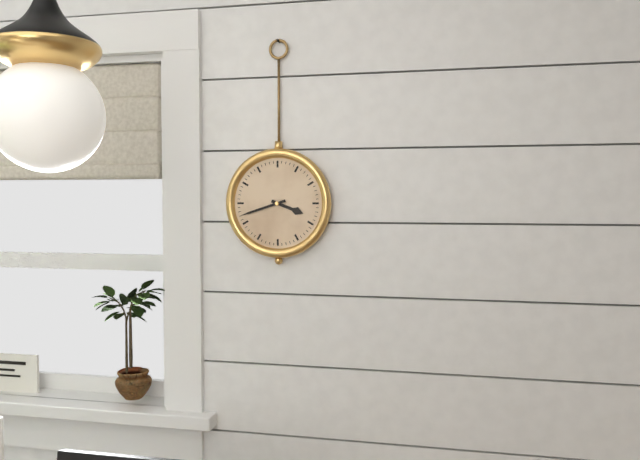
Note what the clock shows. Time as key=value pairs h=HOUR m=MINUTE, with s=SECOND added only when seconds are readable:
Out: h=3 m=42
